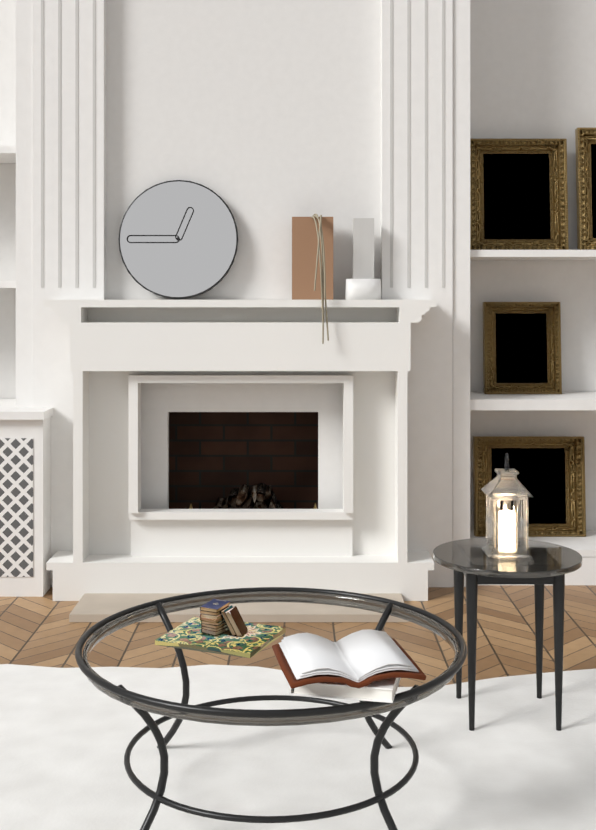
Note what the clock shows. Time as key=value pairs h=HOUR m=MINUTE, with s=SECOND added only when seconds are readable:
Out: h=12 m=45
